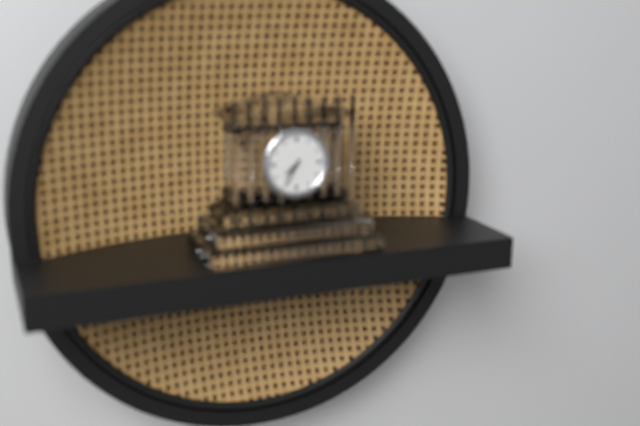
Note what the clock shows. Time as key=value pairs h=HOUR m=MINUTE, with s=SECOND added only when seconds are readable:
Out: h=7 m=35
